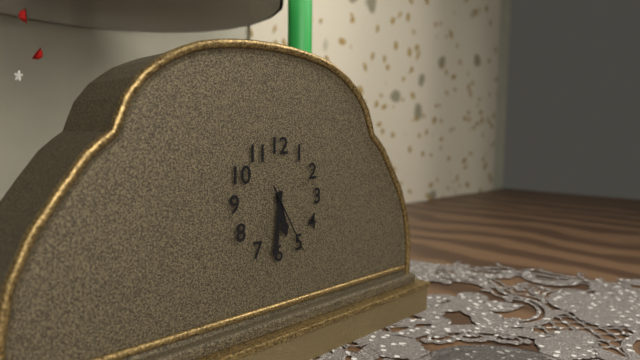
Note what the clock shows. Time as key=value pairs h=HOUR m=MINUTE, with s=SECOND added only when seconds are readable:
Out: h=5 m=31 s=25
